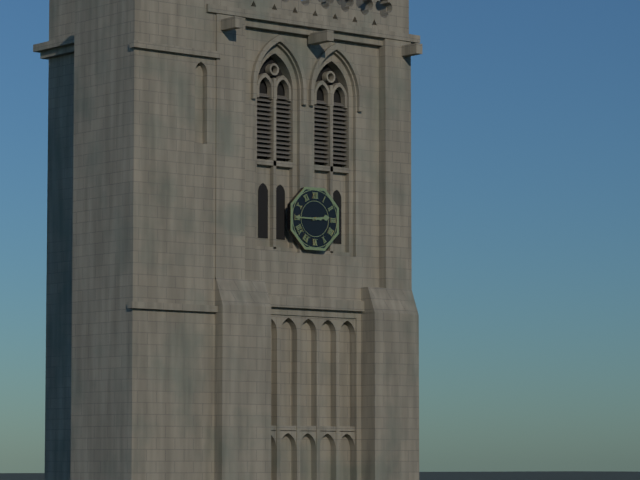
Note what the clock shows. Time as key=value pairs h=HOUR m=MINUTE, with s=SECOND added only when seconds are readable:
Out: h=2 m=45
